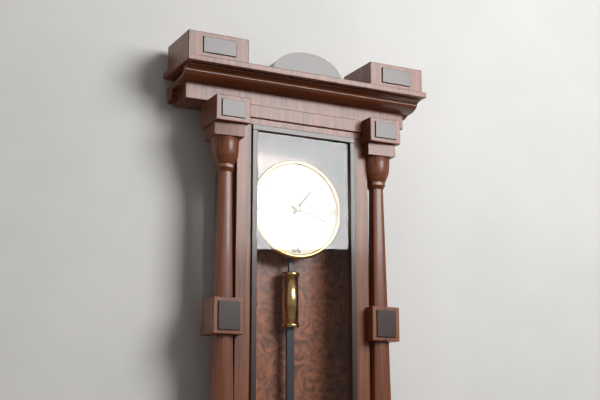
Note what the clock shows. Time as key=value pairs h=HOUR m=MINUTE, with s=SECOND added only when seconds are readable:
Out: h=1 m=18
